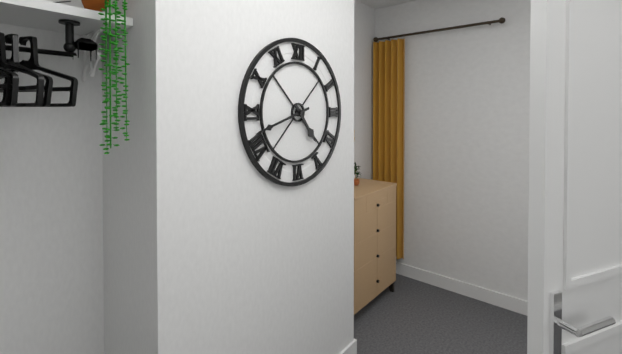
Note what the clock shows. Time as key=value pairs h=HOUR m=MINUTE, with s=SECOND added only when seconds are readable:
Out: h=4 m=42
